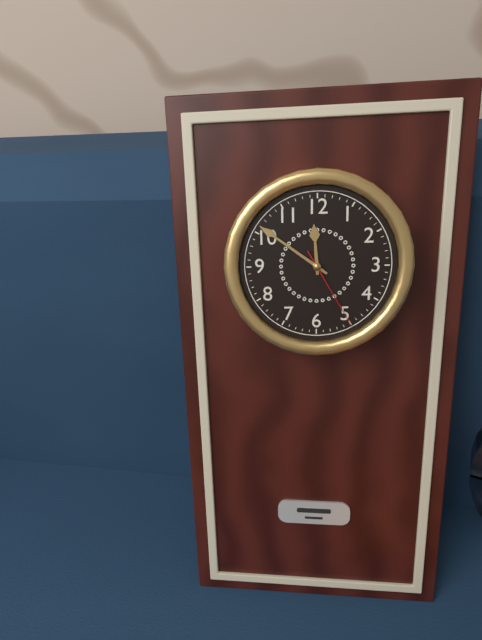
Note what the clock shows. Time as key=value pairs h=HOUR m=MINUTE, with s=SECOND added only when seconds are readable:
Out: h=11 m=51 s=25
